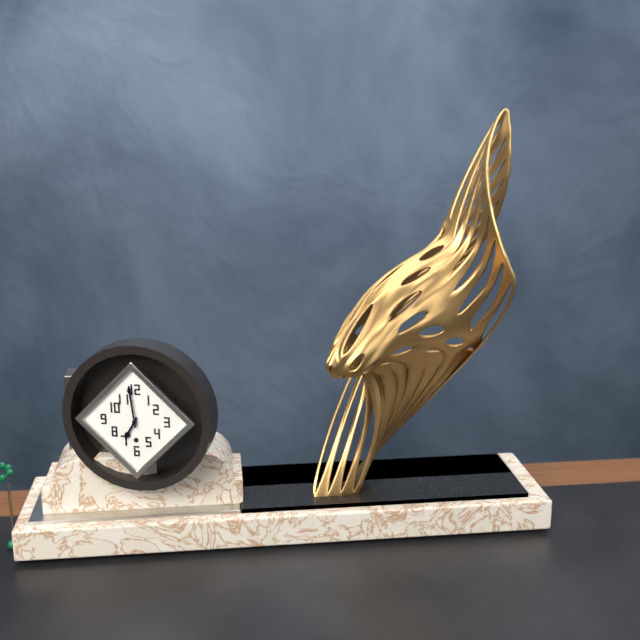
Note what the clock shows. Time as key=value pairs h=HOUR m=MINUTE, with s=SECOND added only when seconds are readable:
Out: h=6 m=59
